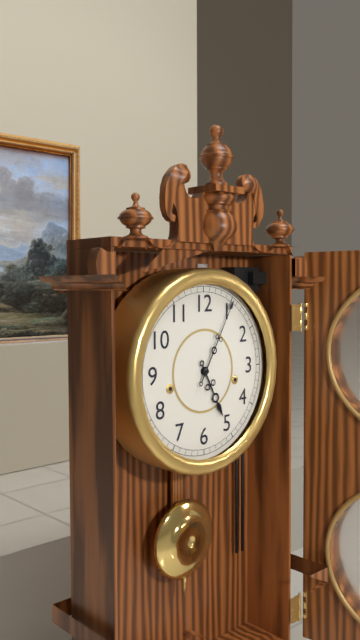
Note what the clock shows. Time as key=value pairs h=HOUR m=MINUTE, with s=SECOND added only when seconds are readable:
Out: h=5 m=5
